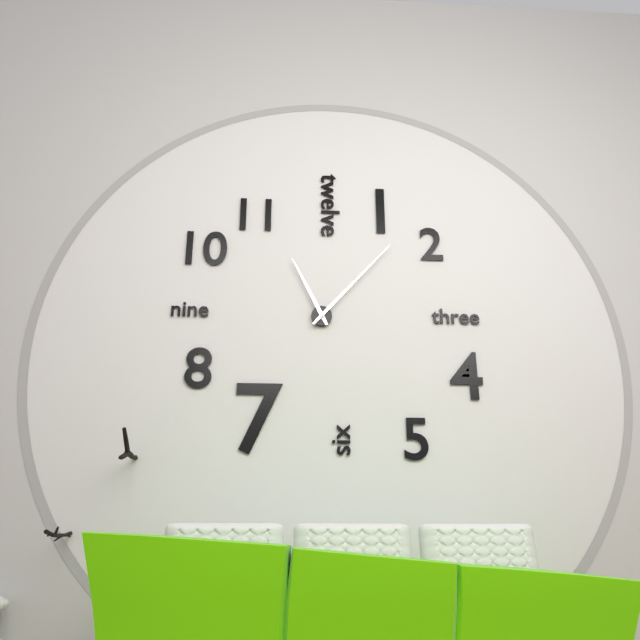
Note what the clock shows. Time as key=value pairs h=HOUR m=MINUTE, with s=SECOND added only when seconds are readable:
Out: h=11 m=7
